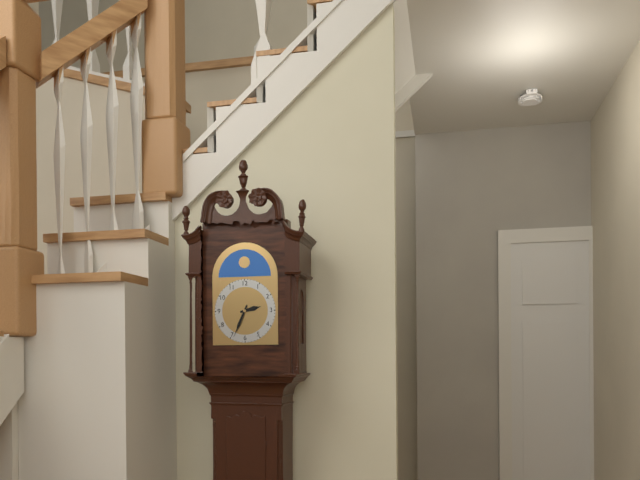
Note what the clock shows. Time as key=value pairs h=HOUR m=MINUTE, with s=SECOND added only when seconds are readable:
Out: h=2 m=34
